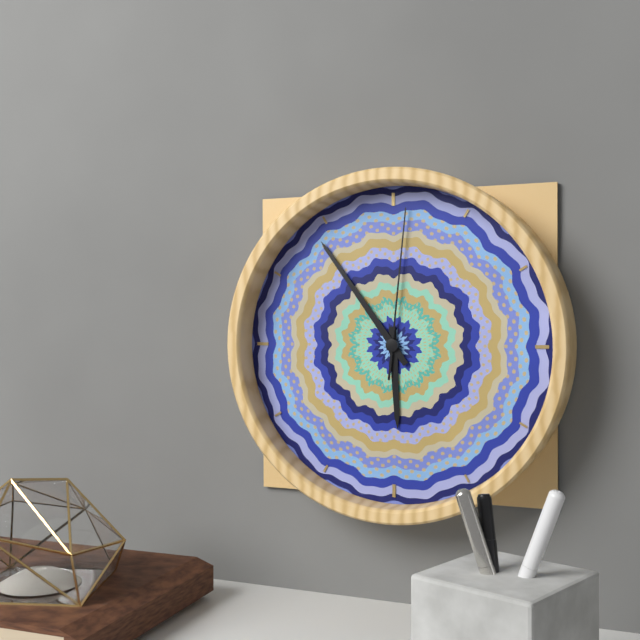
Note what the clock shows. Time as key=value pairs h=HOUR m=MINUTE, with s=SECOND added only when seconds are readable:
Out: h=5 m=54 s=1
